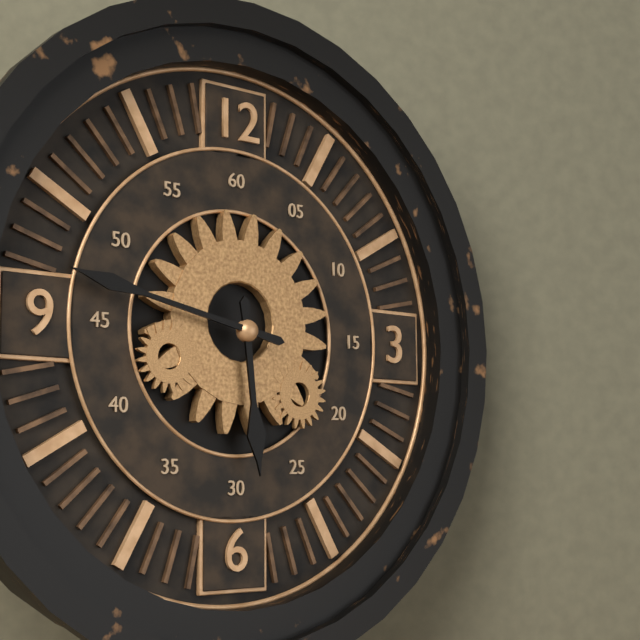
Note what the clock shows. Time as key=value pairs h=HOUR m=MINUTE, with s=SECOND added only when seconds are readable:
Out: h=5 m=47
